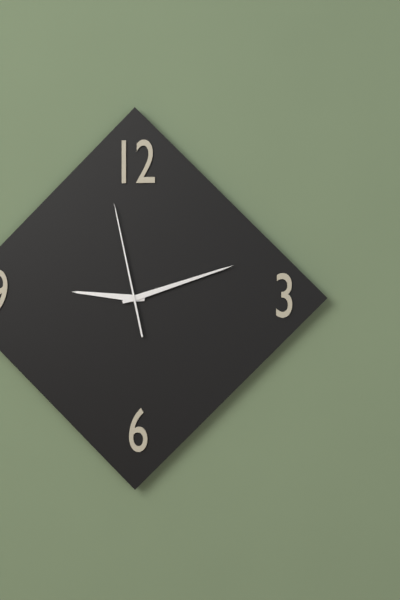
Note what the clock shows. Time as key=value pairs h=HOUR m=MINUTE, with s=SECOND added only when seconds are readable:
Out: h=9 m=12 s=58
